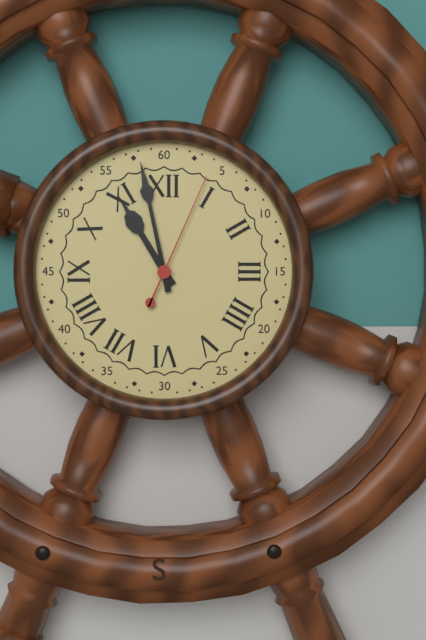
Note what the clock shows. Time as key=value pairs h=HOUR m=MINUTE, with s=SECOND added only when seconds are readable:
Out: h=10 m=58 s=4
